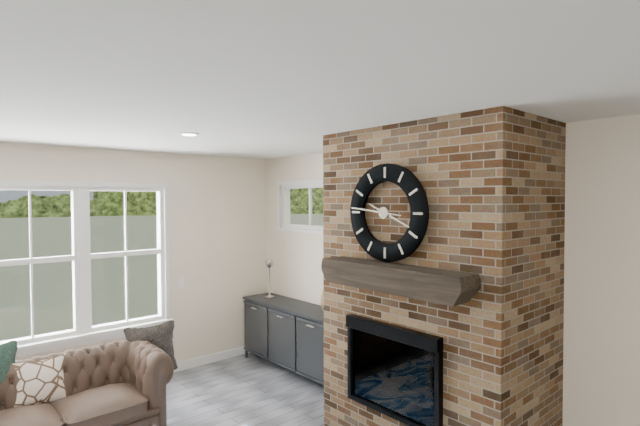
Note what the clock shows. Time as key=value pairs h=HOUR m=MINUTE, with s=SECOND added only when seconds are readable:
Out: h=3 m=46
